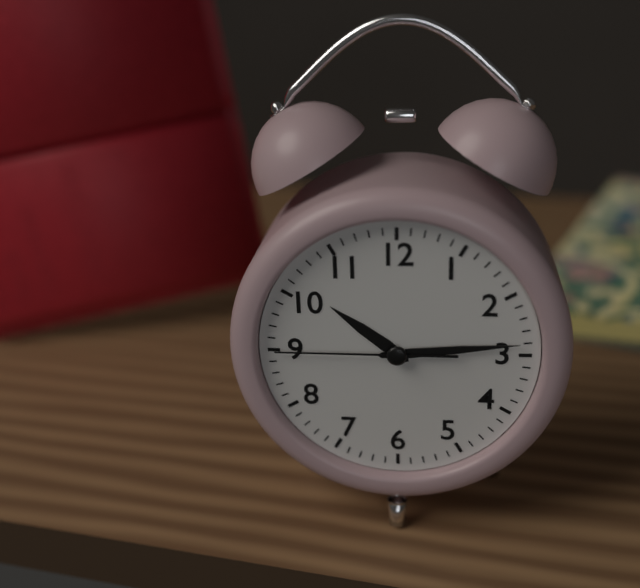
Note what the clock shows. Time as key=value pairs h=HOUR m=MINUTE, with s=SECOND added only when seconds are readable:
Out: h=10 m=14 s=45
